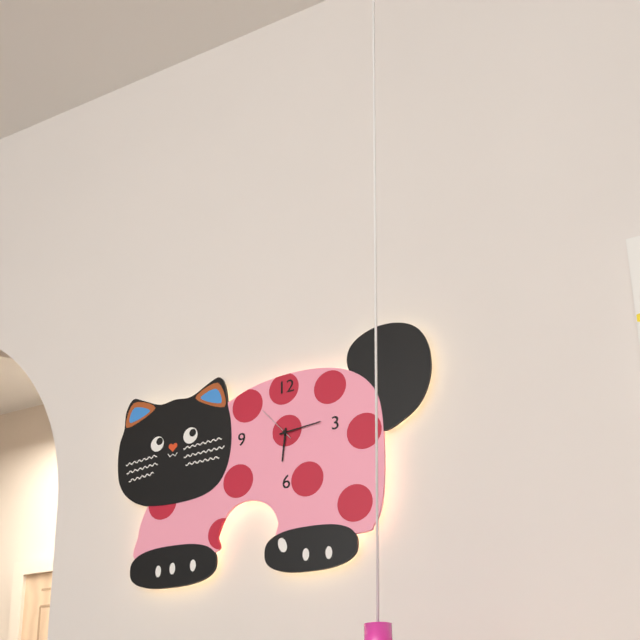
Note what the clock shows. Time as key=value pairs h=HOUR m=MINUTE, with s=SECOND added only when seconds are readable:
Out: h=6 m=14
